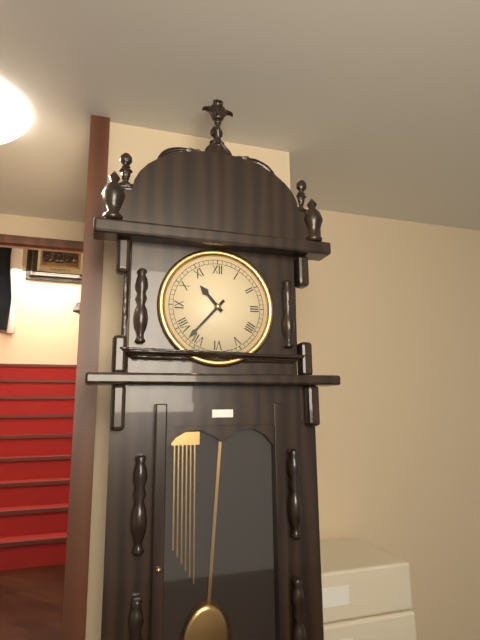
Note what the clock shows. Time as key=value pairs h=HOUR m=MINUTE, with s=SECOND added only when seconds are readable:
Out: h=10 m=37
